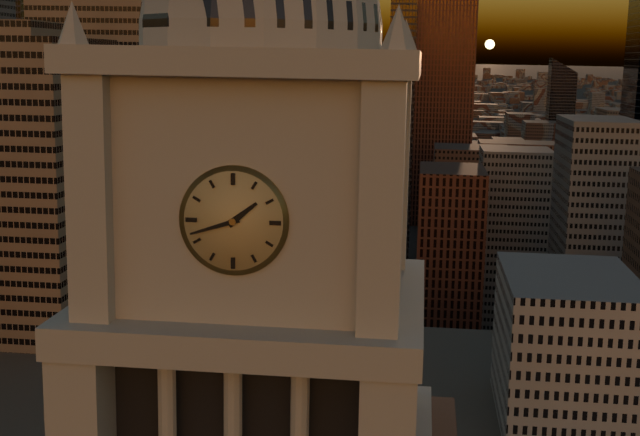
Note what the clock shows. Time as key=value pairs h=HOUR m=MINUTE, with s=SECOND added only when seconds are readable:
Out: h=1 m=42
